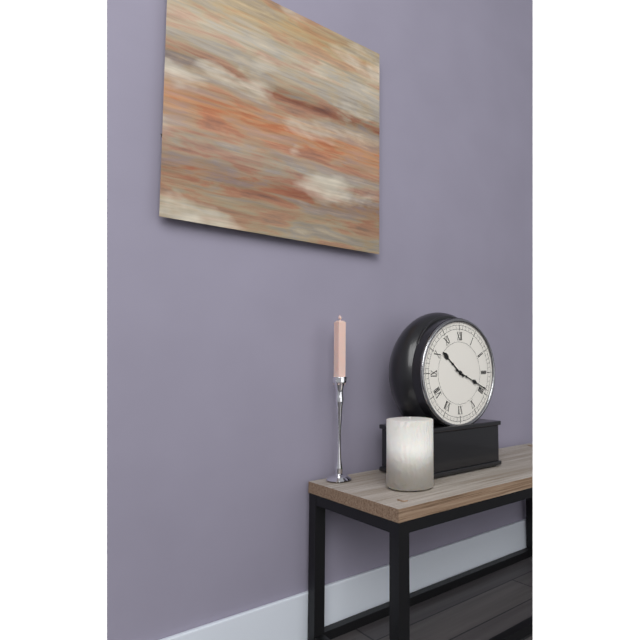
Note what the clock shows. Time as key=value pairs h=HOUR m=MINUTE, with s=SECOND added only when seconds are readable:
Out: h=10 m=19
